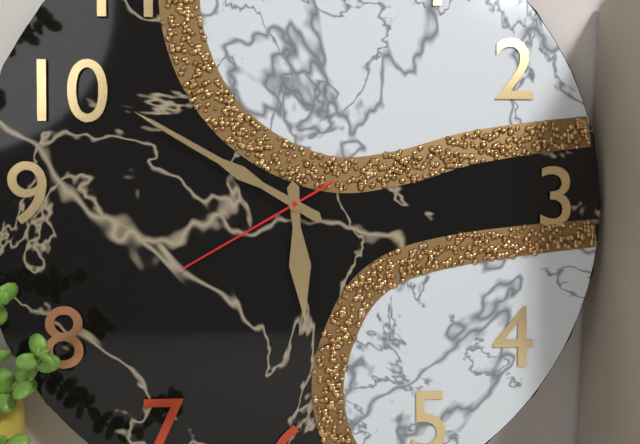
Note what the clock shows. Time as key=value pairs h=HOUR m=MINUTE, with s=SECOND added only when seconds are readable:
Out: h=5 m=50 s=40
